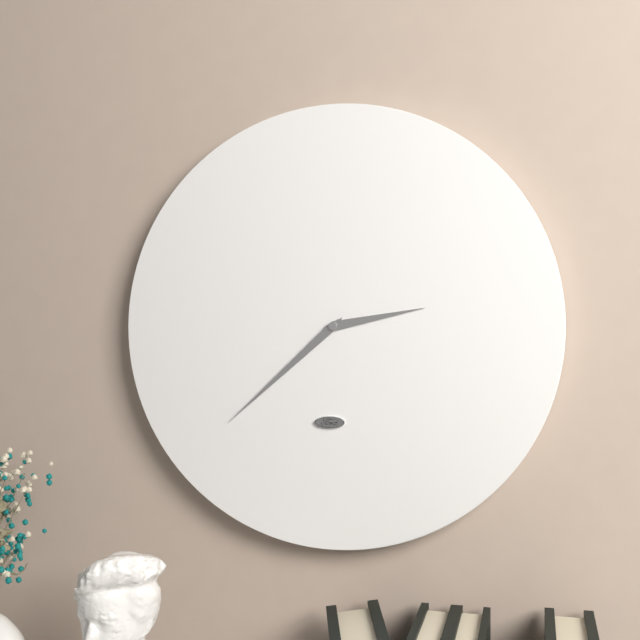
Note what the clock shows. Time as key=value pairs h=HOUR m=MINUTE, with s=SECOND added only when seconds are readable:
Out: h=2 m=38
